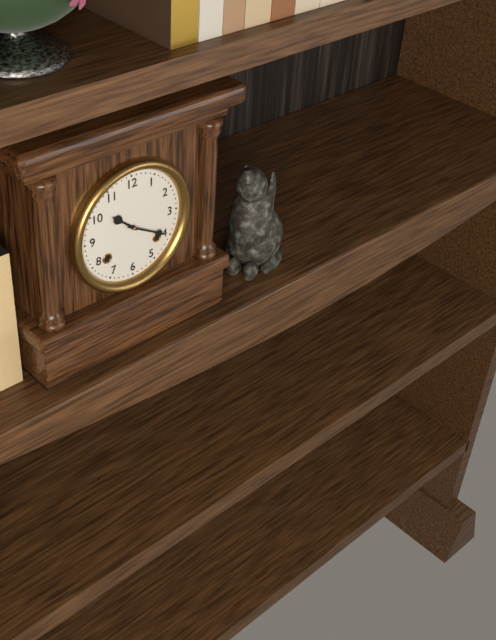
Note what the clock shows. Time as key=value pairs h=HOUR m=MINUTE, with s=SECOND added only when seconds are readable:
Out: h=10 m=20
